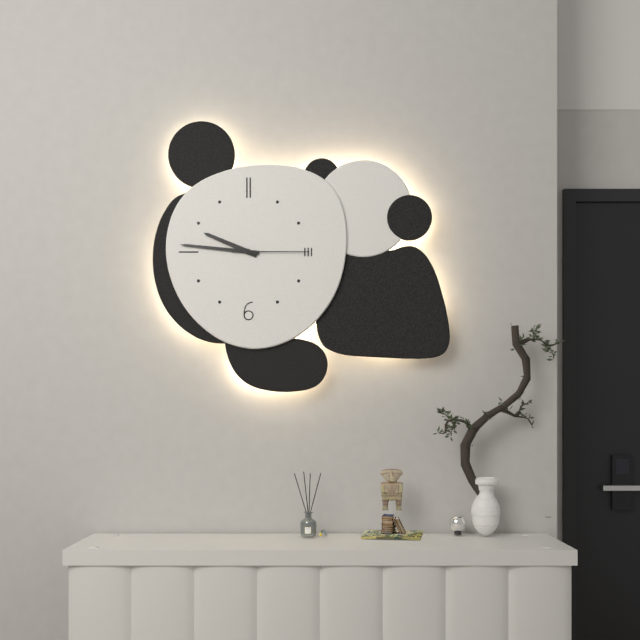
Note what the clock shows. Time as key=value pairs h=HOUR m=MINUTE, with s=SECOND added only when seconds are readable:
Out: h=9 m=46 s=15
